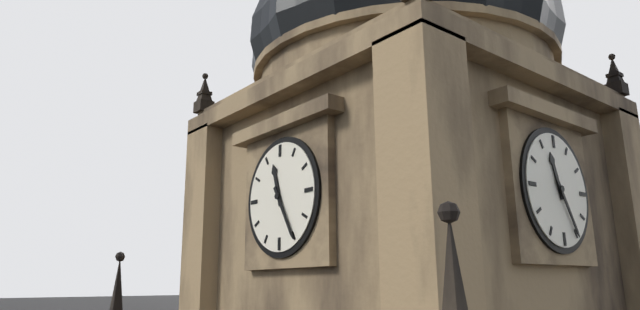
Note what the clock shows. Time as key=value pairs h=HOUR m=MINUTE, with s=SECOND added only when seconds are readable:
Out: h=11 m=25
